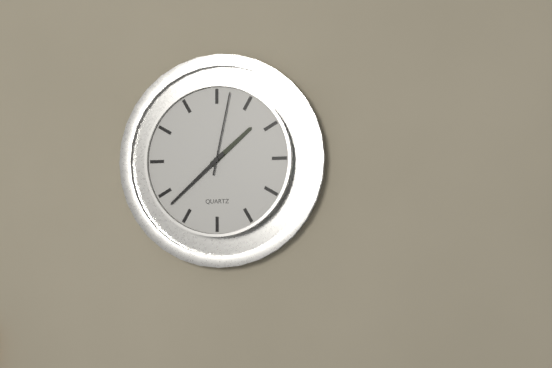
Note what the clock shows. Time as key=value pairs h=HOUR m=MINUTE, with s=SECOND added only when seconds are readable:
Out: h=1 m=38 s=2
